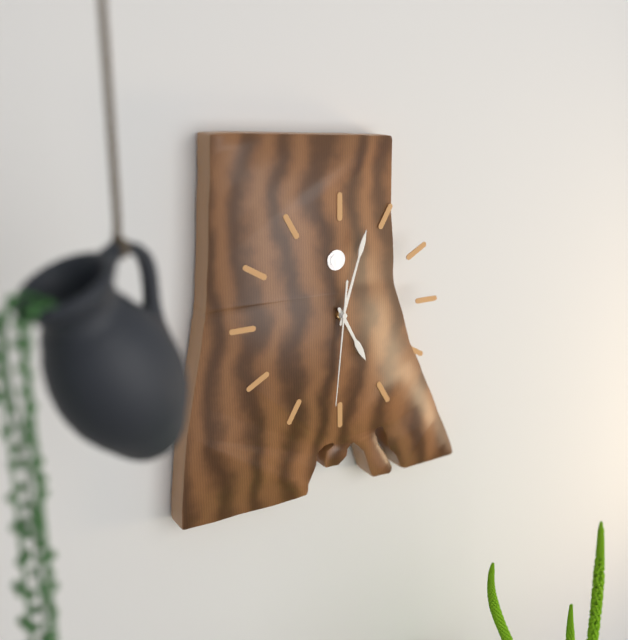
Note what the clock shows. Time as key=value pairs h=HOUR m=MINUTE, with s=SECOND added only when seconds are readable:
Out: h=5 m=3 s=31
